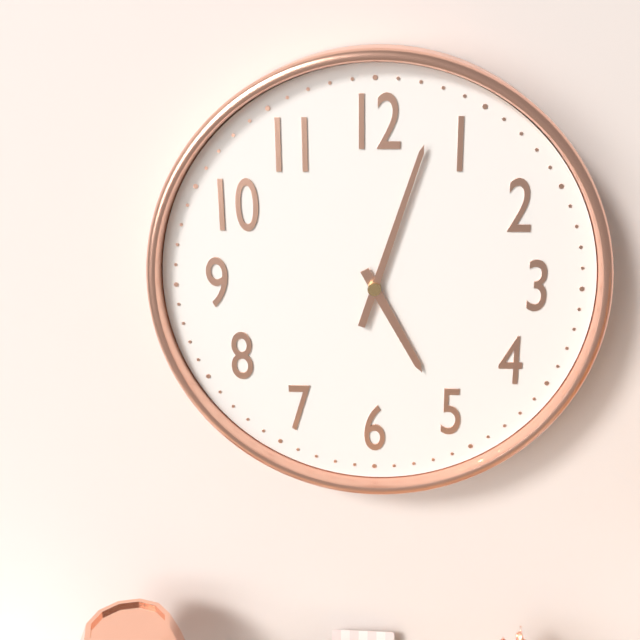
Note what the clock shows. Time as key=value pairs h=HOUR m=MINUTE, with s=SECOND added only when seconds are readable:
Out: h=5 m=3
